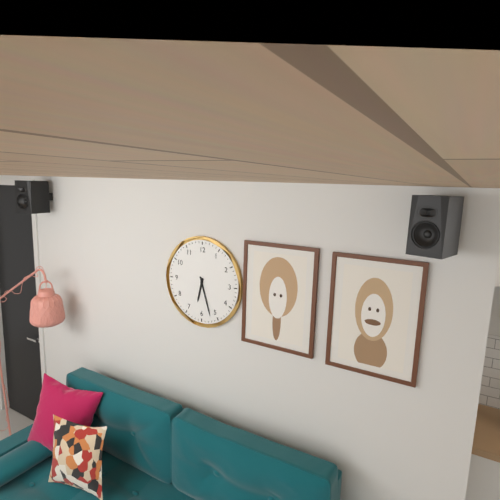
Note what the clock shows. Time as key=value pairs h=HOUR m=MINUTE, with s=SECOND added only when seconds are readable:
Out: h=6 m=27
